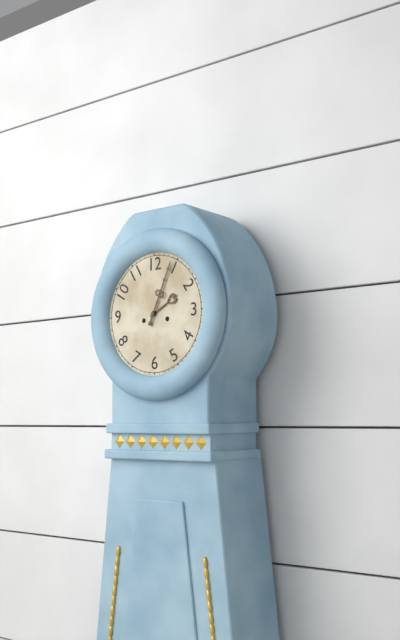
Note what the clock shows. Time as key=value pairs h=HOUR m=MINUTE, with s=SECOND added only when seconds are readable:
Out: h=2 m=4
